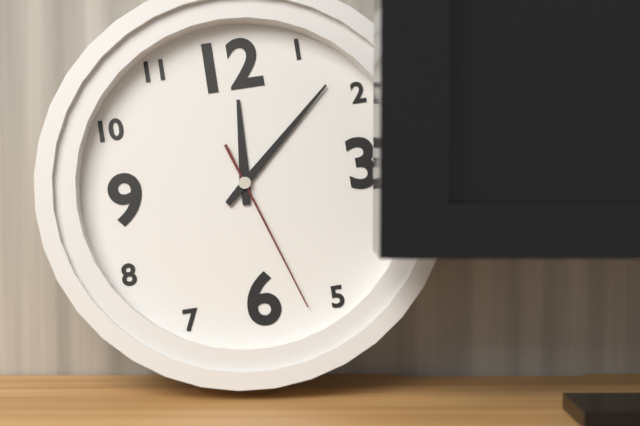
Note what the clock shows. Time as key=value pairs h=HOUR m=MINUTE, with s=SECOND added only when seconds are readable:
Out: h=12 m=8 s=27
